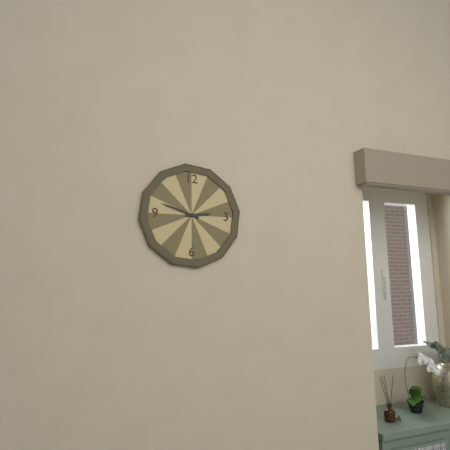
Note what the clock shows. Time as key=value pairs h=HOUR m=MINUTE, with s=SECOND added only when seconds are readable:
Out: h=2 m=48
